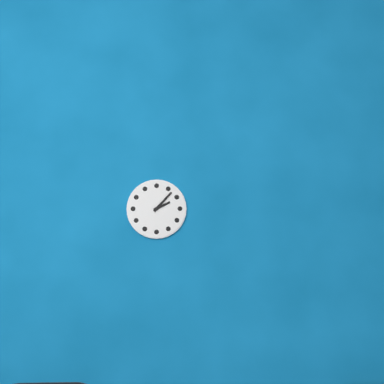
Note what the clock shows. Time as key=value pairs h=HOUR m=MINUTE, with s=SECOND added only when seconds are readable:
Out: h=2 m=7
